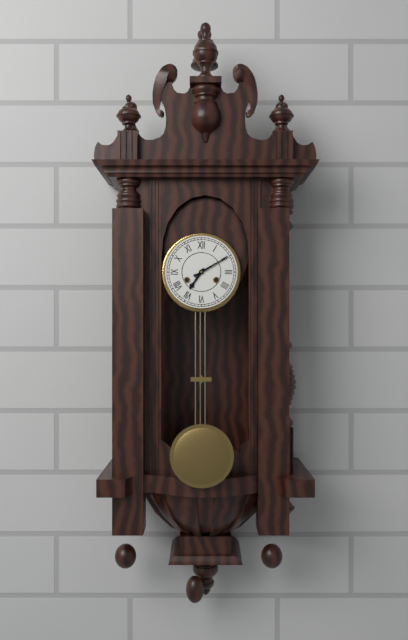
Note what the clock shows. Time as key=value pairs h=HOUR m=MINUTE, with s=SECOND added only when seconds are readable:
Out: h=7 m=10
